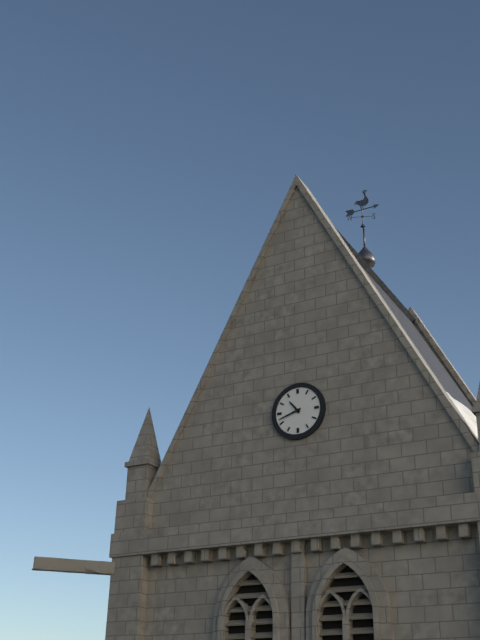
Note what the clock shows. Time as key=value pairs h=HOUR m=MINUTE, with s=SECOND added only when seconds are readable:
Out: h=10 m=42
